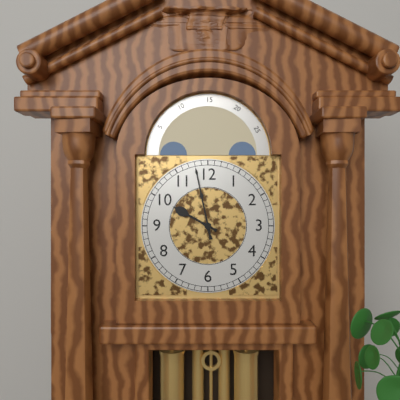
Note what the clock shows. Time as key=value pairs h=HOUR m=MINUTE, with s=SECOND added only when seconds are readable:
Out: h=9 m=58
